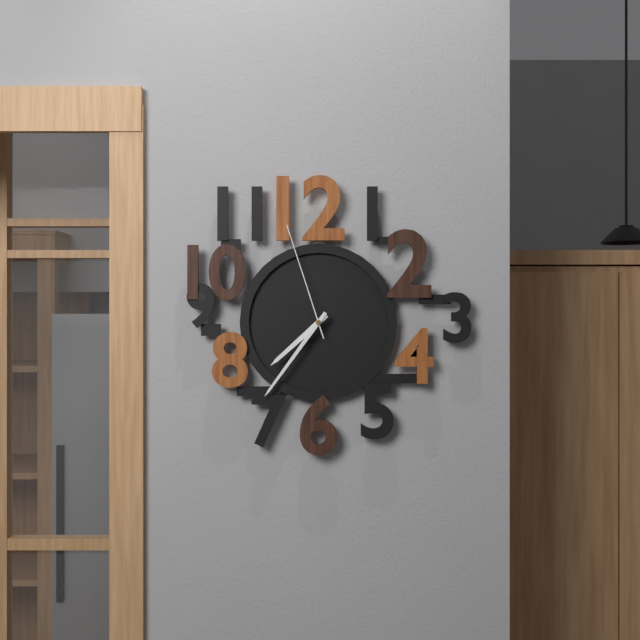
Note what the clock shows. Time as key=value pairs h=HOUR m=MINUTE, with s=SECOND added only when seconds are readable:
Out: h=7 m=36 s=57
